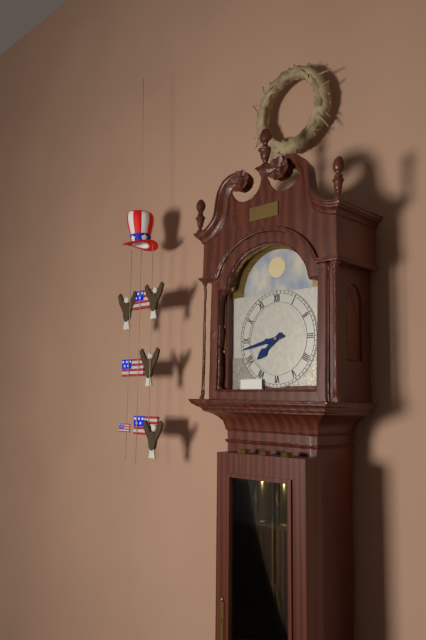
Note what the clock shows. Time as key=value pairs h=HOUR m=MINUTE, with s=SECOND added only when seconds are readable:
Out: h=7 m=43
